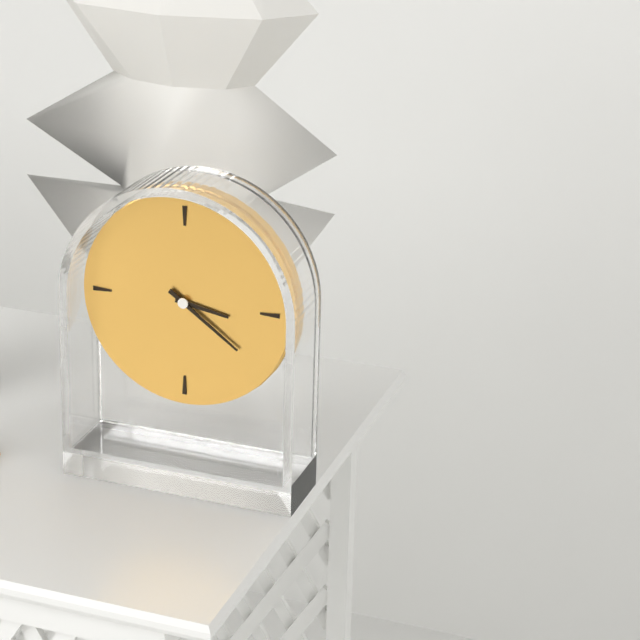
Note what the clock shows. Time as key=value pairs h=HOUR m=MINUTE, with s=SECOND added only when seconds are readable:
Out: h=3 m=21
